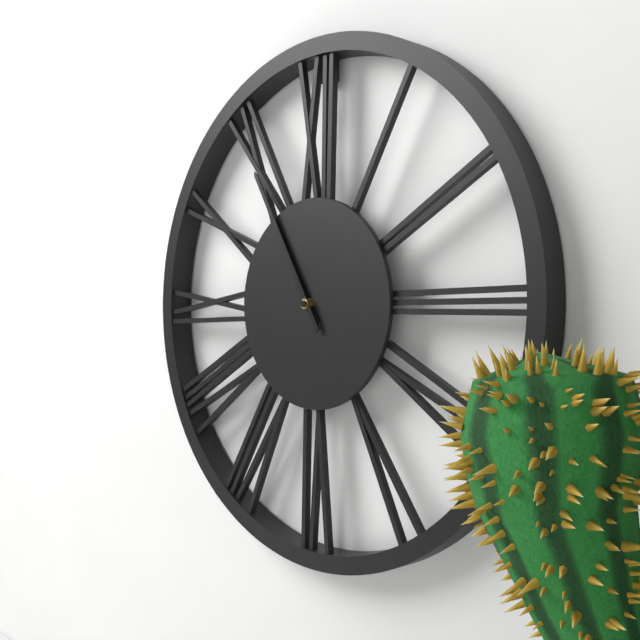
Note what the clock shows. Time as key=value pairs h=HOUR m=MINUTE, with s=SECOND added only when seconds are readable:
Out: h=10 m=55
